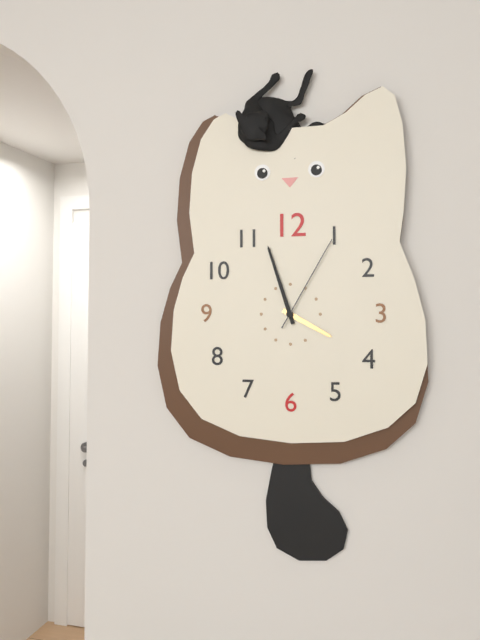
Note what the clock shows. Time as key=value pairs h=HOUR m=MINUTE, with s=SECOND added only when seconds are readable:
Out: h=3 m=57 s=5
